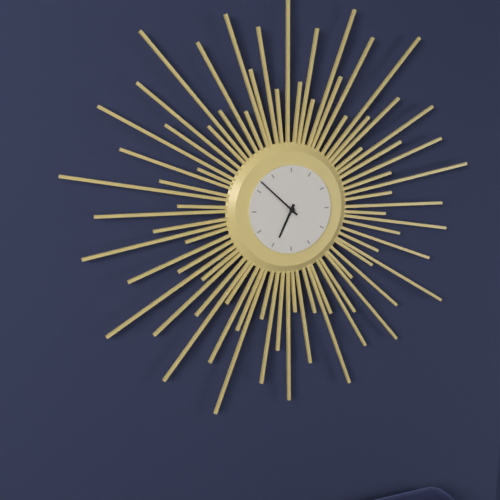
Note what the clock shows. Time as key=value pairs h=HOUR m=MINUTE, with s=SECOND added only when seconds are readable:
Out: h=6 m=52
